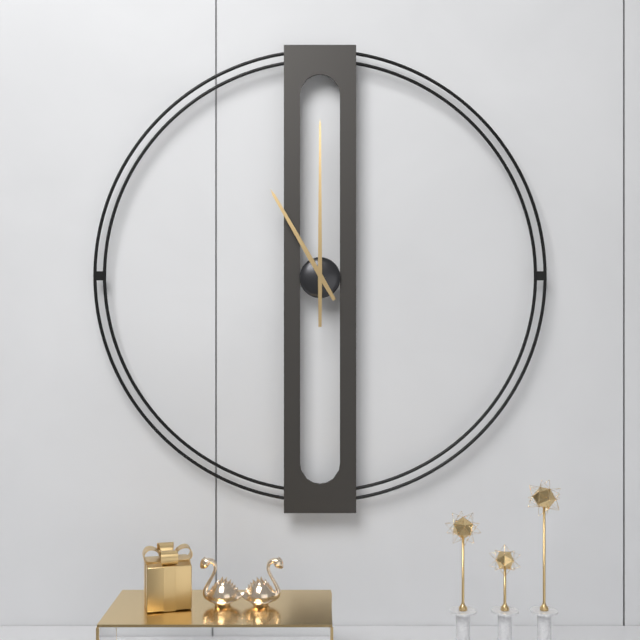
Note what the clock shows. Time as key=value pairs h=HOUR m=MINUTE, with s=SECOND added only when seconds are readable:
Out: h=11 m=0
